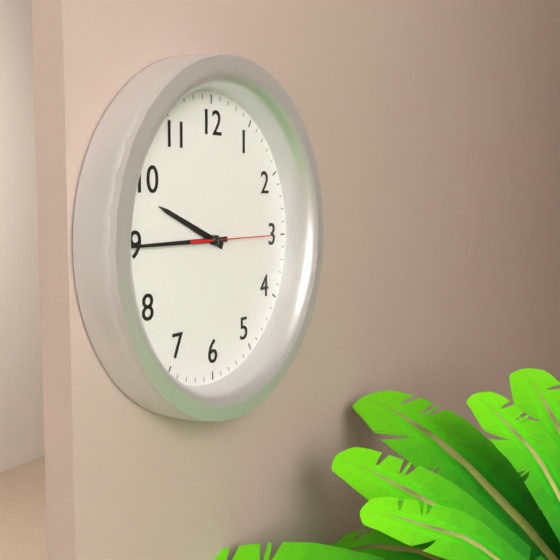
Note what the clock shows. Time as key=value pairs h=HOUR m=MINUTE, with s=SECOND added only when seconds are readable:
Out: h=9 m=45 s=15
